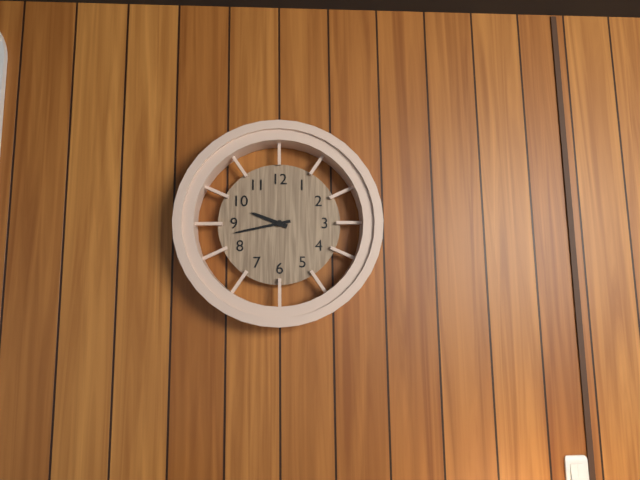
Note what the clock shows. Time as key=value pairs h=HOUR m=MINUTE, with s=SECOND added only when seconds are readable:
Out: h=9 m=43
